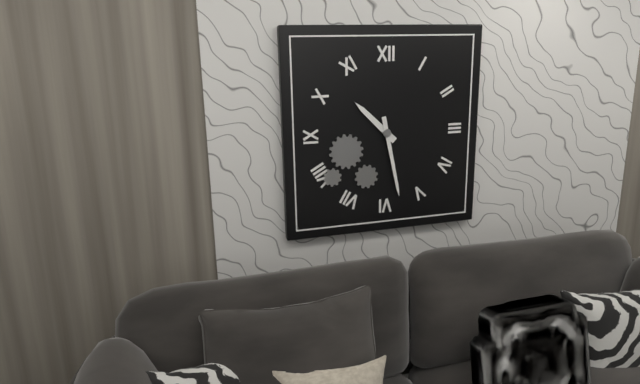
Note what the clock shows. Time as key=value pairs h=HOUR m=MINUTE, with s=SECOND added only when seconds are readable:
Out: h=10 m=28
